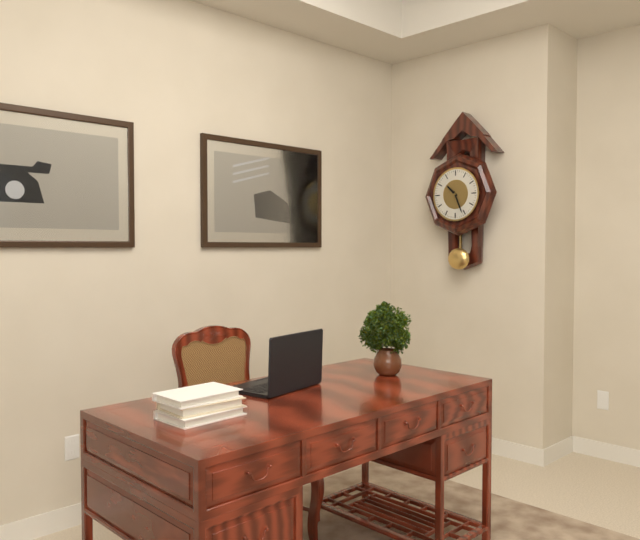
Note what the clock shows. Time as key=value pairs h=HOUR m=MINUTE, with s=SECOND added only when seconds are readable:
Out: h=10 m=26
